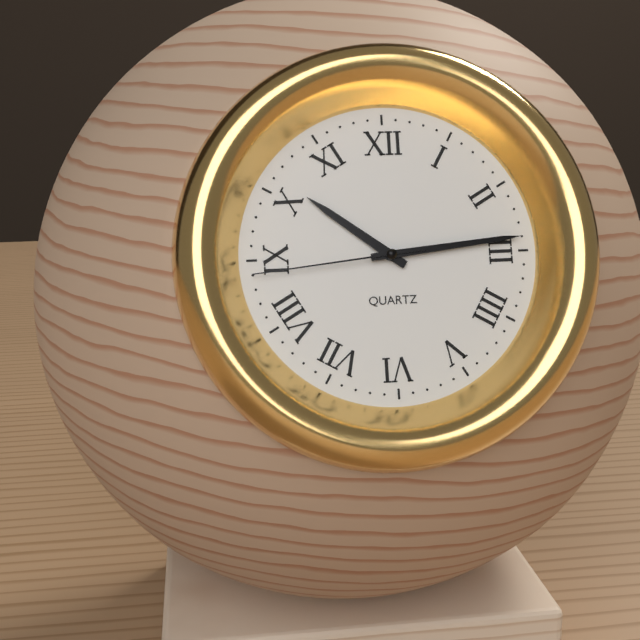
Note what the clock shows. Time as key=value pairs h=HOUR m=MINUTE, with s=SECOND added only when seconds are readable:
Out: h=10 m=14 s=44
